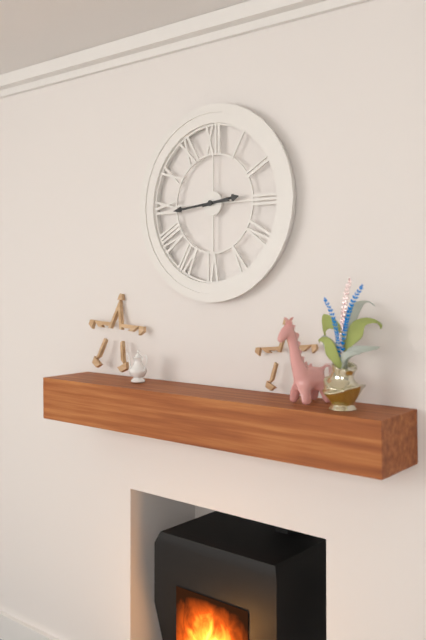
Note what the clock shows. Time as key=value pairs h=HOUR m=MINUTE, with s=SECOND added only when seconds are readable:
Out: h=2 m=44
